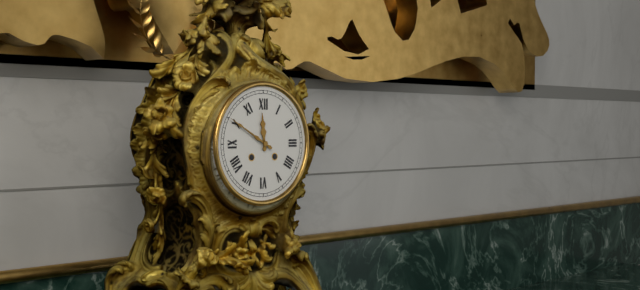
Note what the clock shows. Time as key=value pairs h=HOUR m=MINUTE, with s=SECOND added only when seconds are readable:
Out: h=11 m=50
